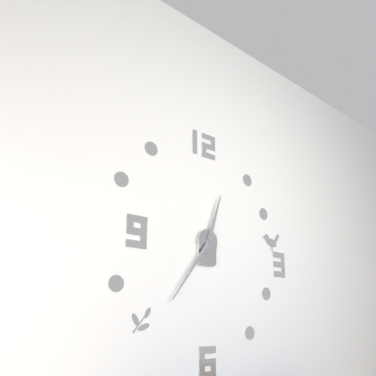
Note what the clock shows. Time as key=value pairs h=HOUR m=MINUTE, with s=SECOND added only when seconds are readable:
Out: h=12 m=36
